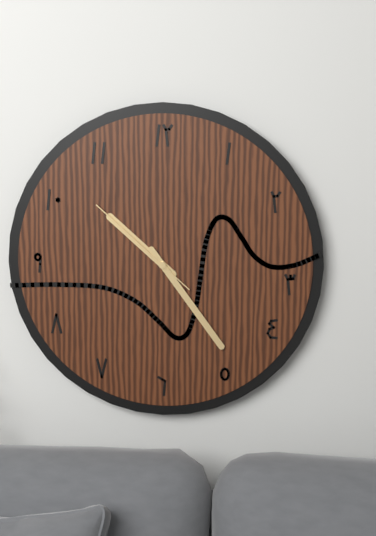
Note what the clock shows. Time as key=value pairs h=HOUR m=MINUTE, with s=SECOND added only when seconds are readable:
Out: h=10 m=24 s=52
